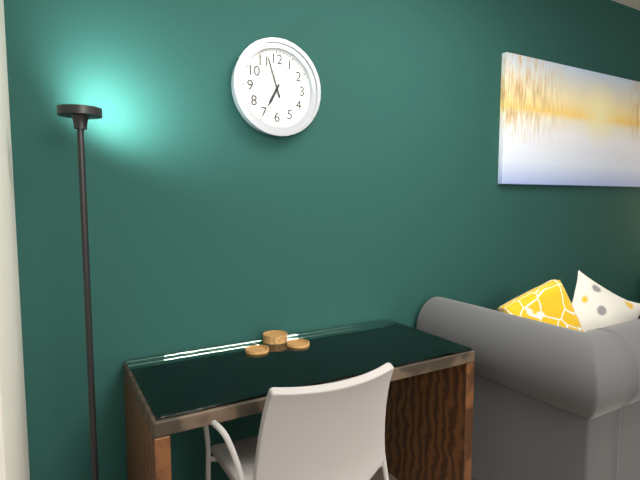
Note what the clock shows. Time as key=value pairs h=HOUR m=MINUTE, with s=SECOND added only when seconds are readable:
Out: h=6 m=57
